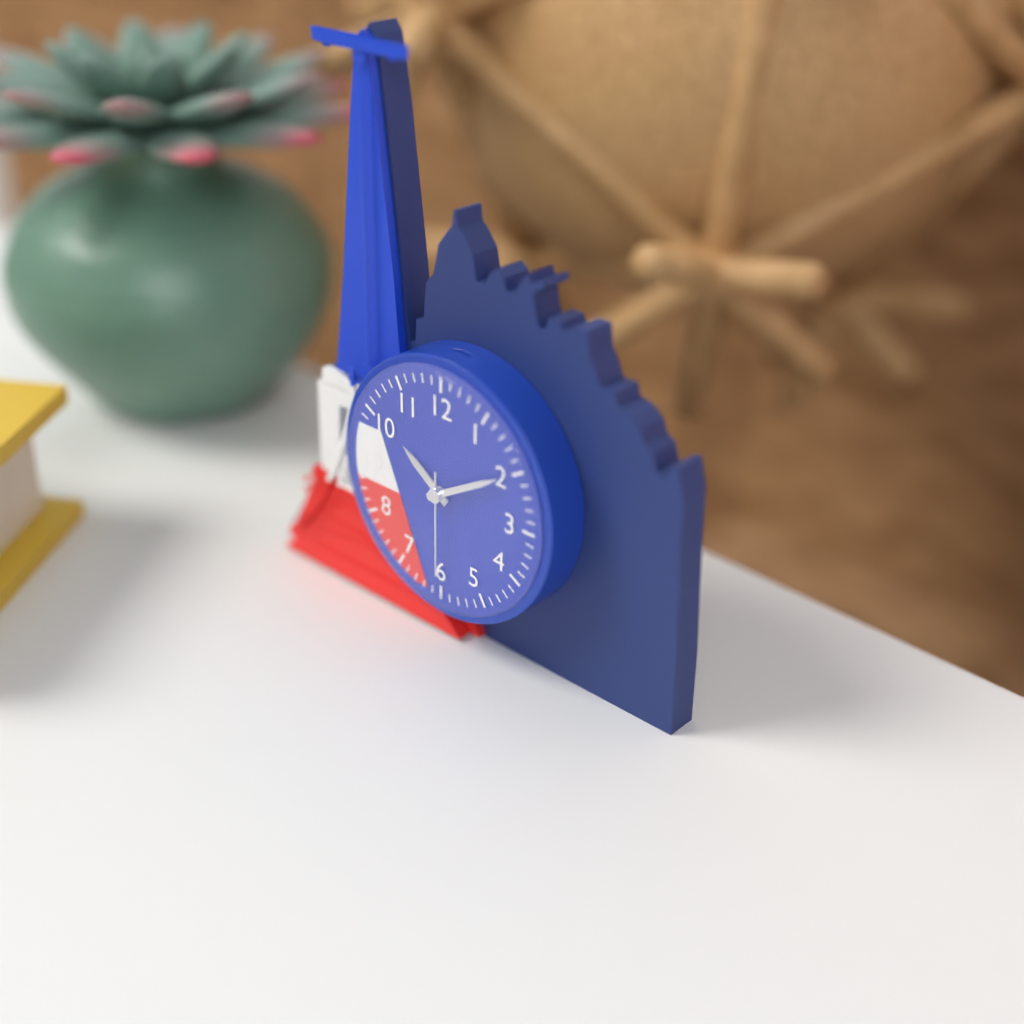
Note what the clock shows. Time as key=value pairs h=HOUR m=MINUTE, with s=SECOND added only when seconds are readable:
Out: h=10 m=10 s=30
